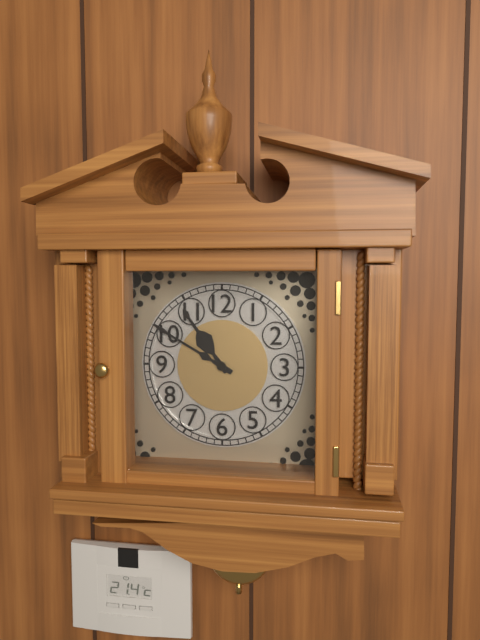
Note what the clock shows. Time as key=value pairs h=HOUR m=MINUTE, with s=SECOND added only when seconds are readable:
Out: h=10 m=50
